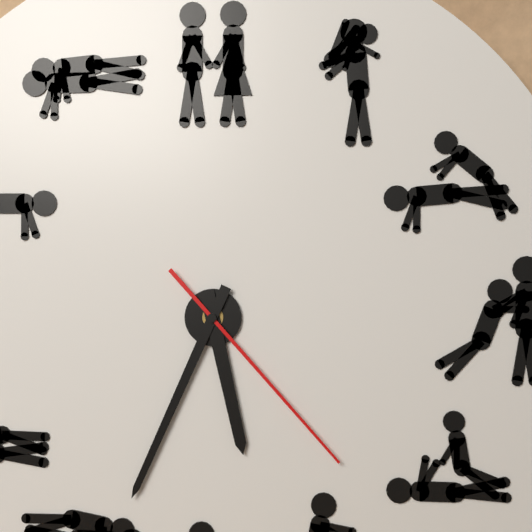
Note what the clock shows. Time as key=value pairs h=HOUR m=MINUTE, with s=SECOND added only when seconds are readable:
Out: h=5 m=34 s=23
